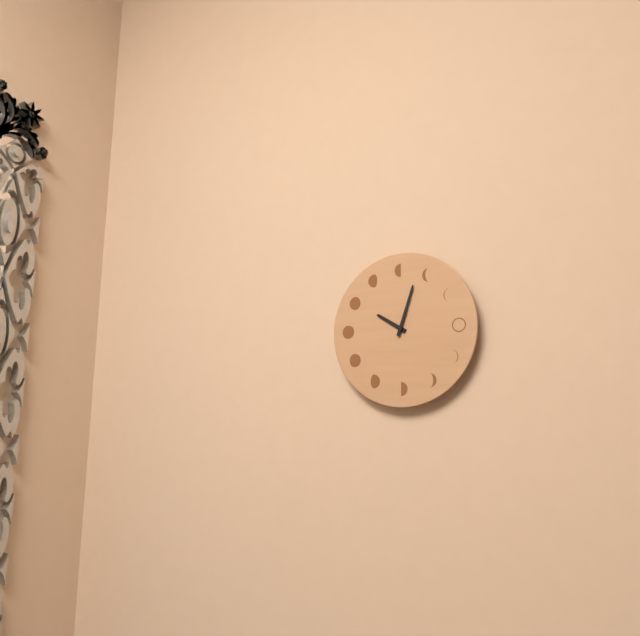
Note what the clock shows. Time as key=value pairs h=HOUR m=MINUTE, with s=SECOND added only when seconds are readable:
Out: h=10 m=3
